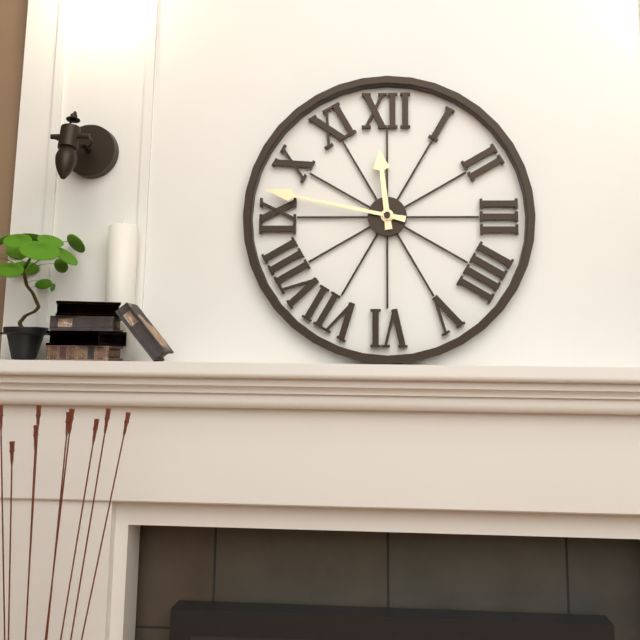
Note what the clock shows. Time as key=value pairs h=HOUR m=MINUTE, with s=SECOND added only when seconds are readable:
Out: h=11 m=47
